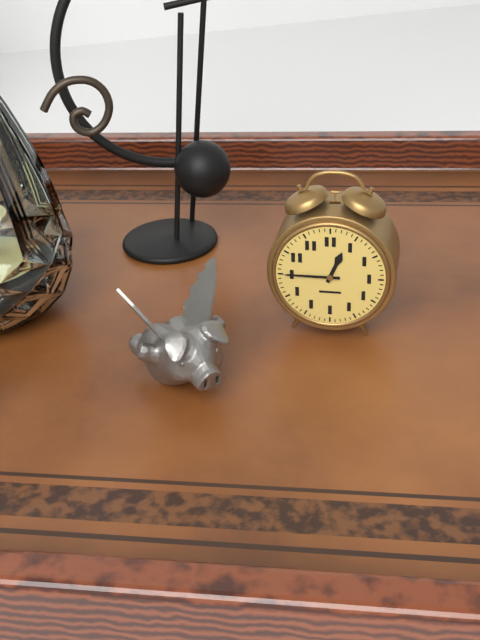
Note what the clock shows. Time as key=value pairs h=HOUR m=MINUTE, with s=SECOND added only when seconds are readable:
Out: h=12 m=45
